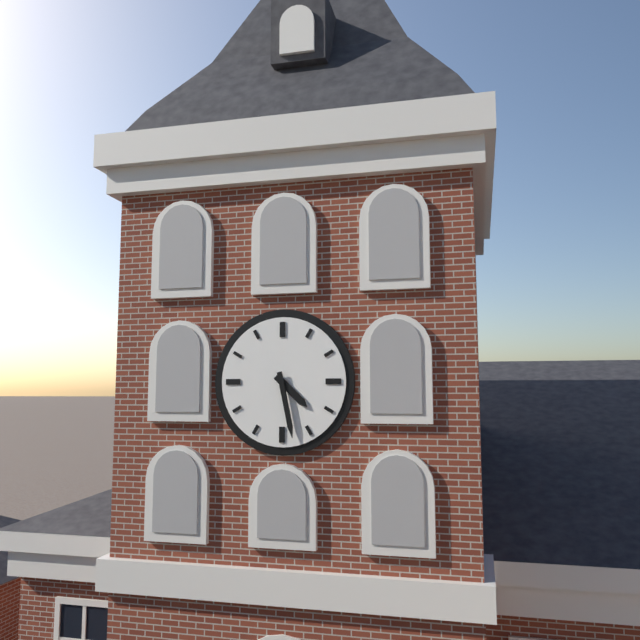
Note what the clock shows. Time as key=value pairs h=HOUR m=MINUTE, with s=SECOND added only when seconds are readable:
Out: h=4 m=28
